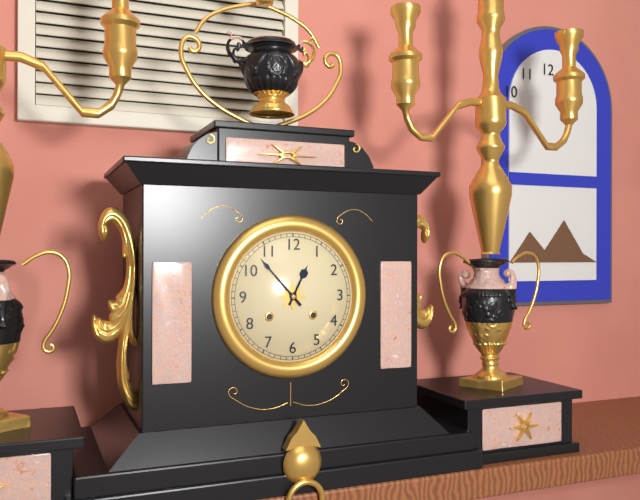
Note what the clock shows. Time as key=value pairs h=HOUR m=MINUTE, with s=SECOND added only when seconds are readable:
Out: h=12 m=53
